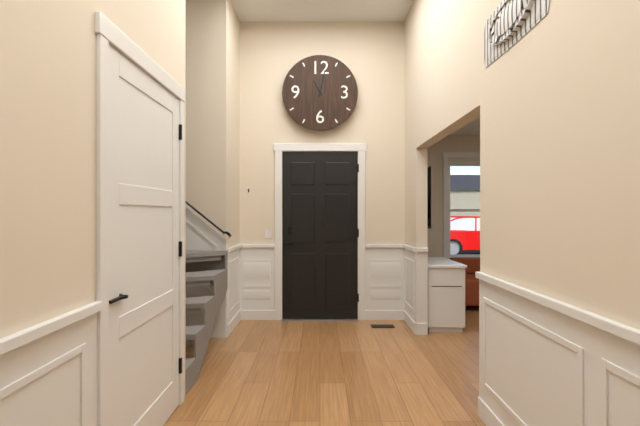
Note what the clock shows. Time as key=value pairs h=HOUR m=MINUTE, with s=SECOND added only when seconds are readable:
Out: h=11 m=2
